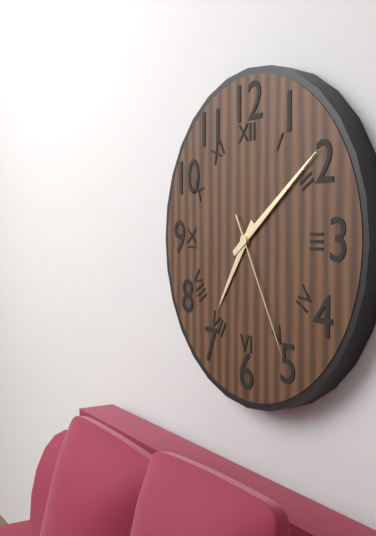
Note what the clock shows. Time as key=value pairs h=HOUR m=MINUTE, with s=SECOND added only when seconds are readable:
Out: h=7 m=9 s=25
